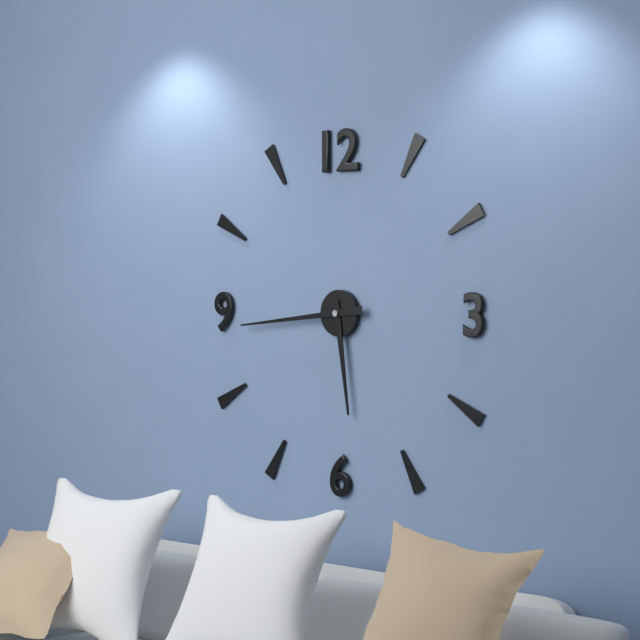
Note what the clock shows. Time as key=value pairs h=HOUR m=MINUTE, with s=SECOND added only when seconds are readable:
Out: h=5 m=44
